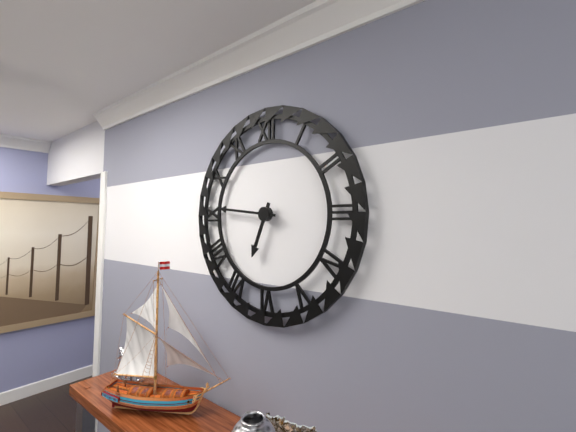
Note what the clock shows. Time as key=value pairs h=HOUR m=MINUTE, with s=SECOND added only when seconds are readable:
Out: h=6 m=46
